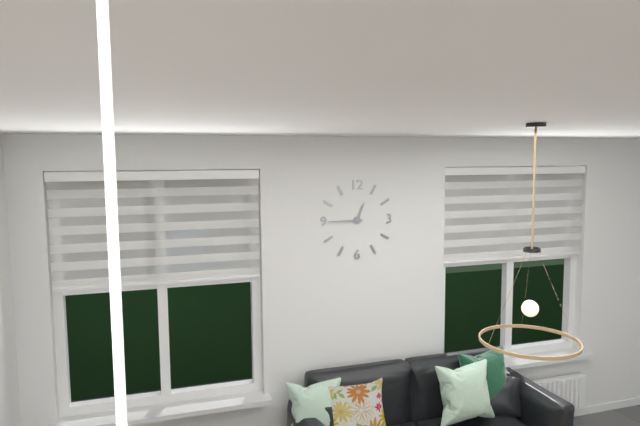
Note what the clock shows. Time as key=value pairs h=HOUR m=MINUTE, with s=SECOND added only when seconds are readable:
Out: h=12 m=45
